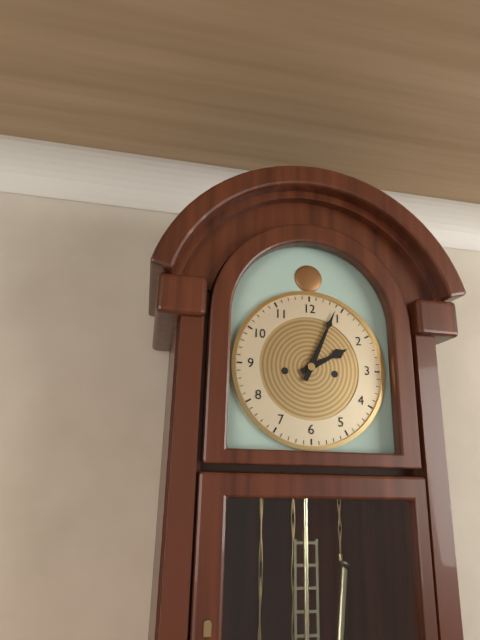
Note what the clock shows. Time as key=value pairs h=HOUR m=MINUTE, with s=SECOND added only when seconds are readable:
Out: h=2 m=4
